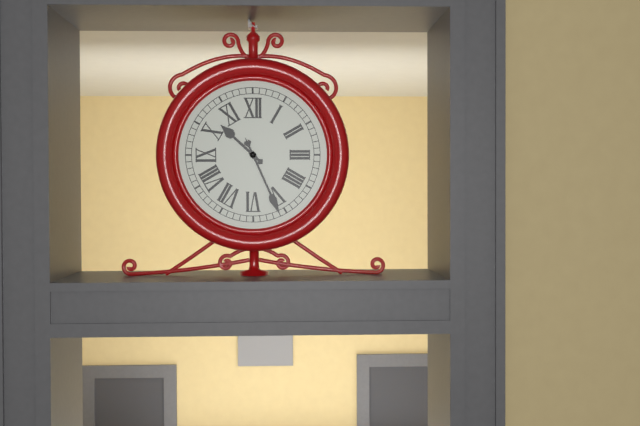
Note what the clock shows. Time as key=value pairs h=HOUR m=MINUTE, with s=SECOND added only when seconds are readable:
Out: h=10 m=26
